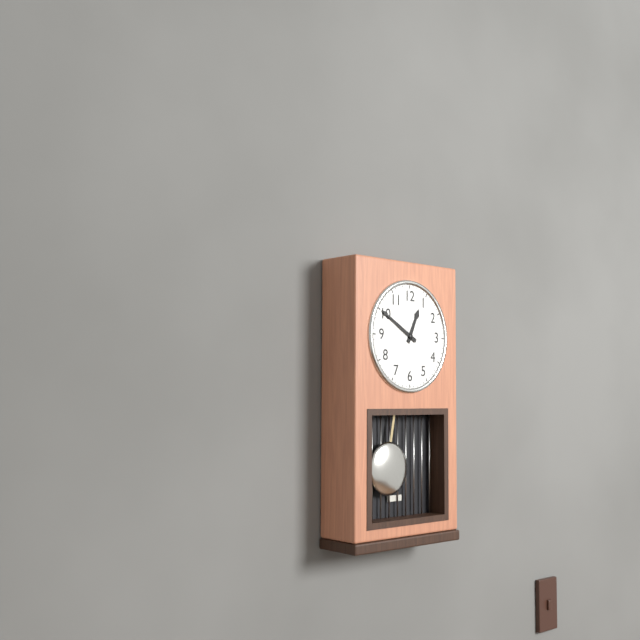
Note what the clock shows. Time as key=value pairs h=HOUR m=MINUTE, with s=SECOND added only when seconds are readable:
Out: h=12 m=50
